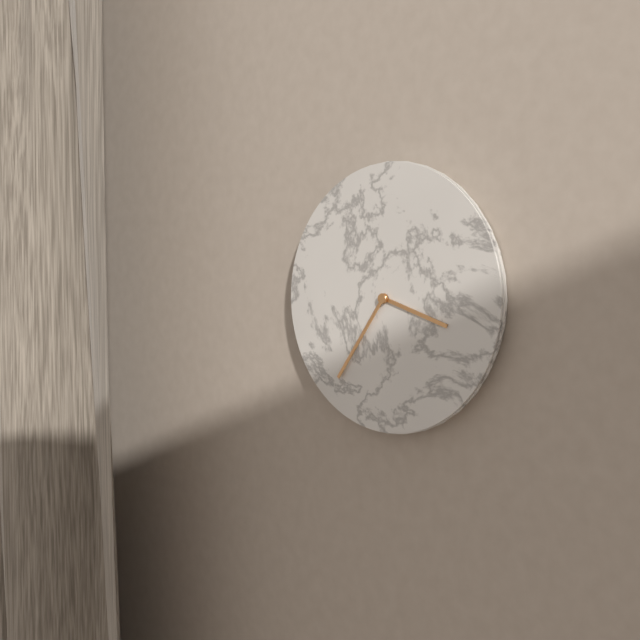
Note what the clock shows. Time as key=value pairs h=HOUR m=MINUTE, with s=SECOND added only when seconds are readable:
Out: h=3 m=36
